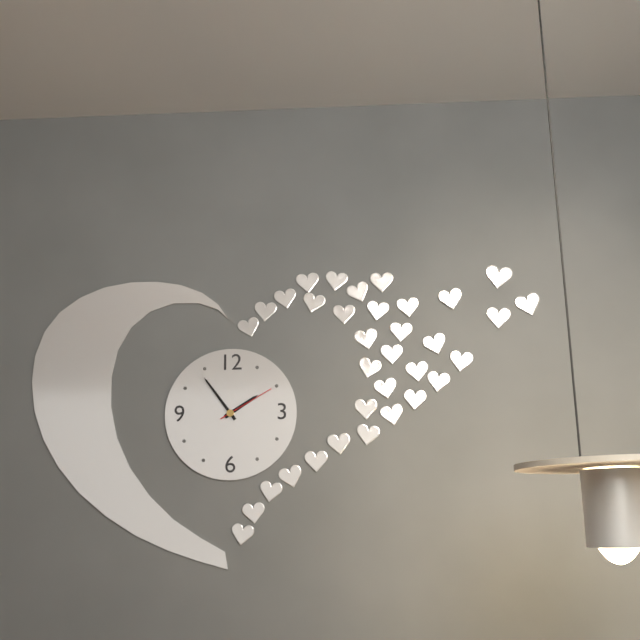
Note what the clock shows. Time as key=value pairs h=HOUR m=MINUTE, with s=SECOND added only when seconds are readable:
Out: h=1 m=54 s=10
